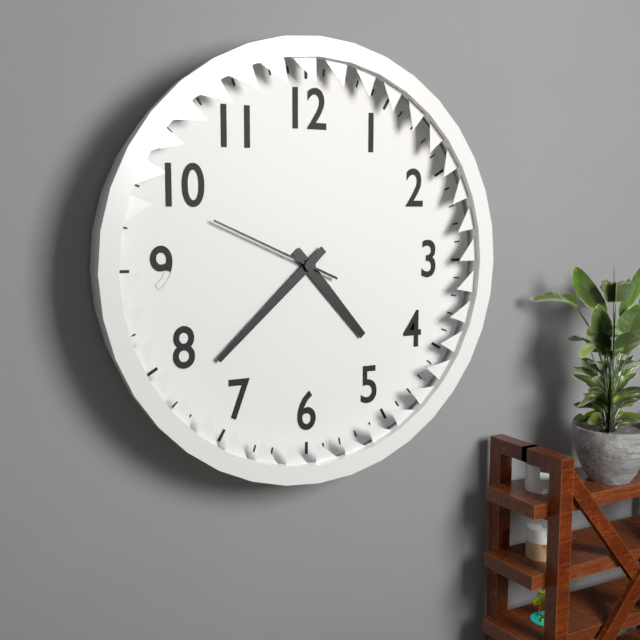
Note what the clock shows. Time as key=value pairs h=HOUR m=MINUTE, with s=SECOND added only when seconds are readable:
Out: h=4 m=38 s=49
